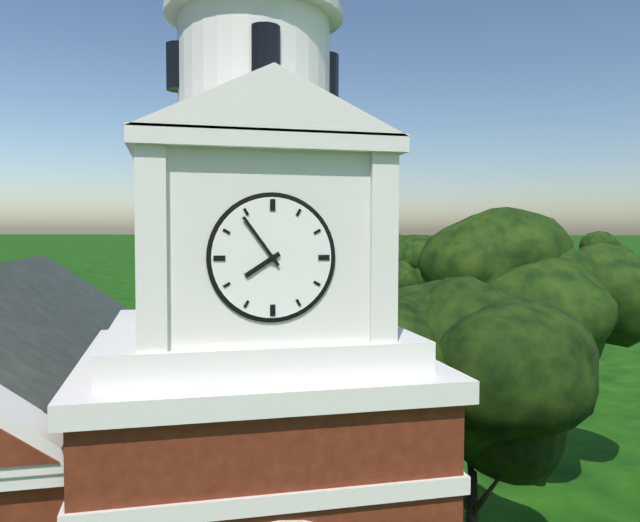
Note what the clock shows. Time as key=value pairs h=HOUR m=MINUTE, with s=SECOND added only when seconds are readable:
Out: h=7 m=54
